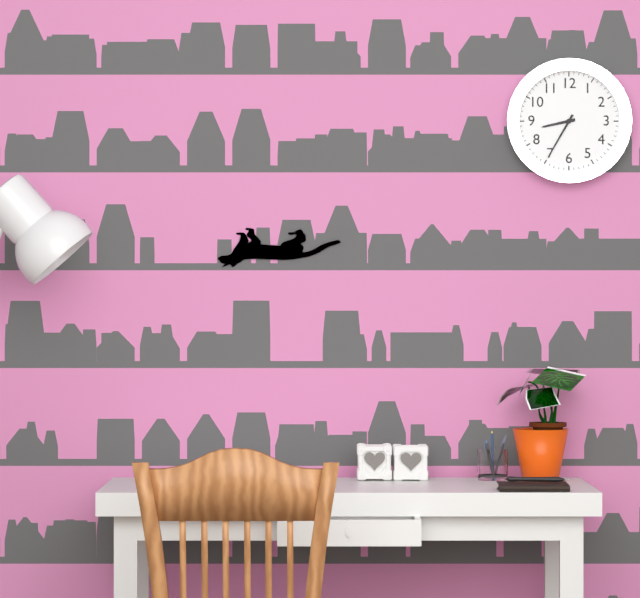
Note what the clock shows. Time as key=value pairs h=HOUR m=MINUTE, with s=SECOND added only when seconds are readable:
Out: h=8 m=35
